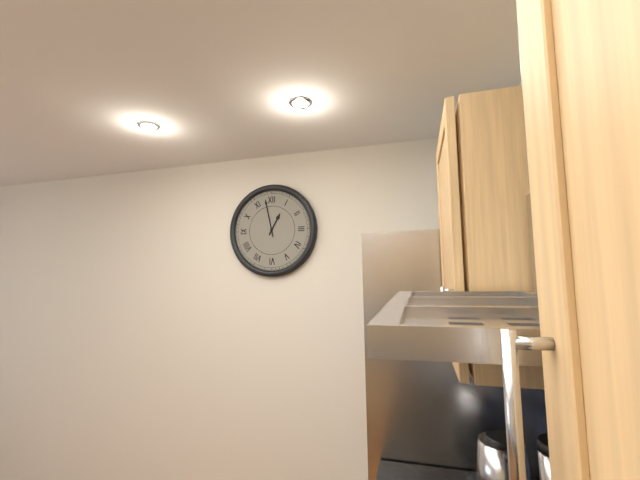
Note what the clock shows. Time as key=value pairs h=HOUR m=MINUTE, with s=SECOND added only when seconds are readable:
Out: h=12 m=58
